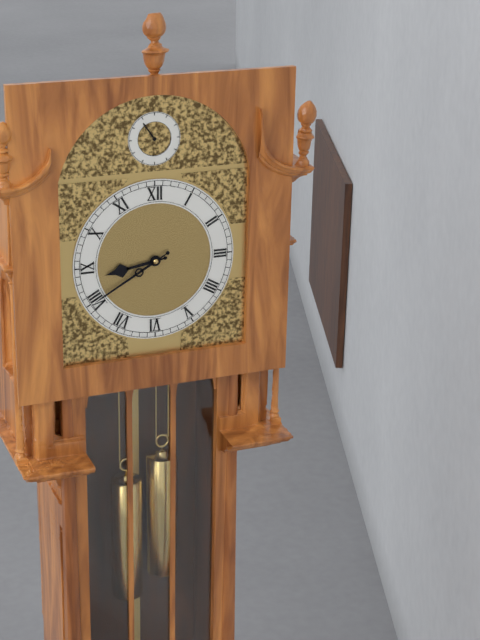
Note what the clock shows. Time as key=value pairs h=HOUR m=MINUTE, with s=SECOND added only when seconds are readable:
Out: h=8 m=40
